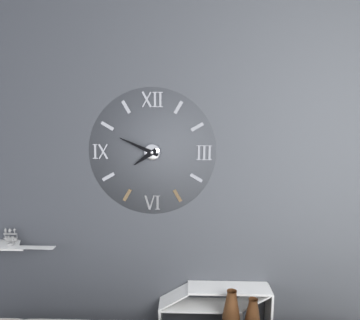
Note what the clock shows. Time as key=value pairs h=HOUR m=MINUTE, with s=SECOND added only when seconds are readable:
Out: h=7 m=49
